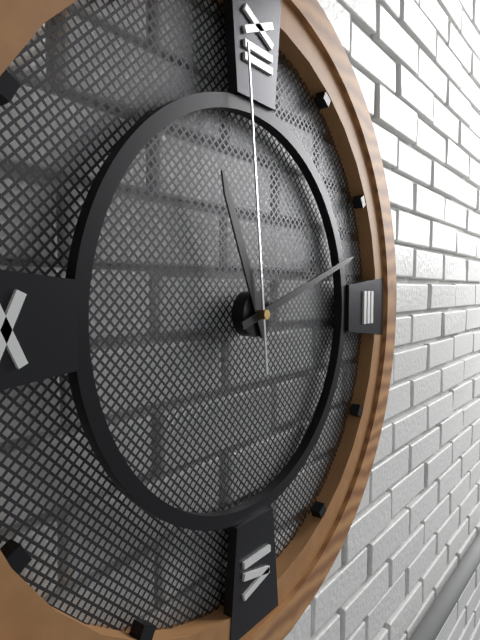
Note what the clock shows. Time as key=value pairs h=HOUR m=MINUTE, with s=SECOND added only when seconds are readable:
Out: h=11 m=12 s=59
